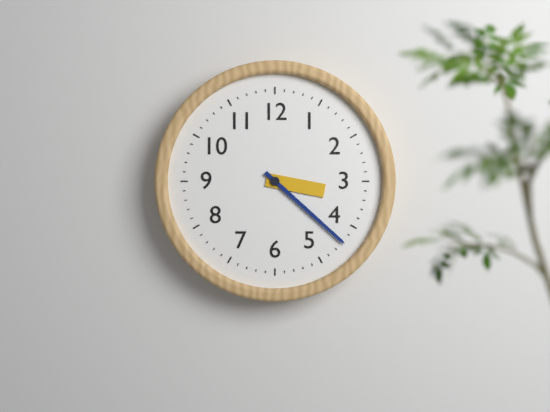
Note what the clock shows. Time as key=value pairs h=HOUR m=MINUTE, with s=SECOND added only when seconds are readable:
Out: h=3 m=22
